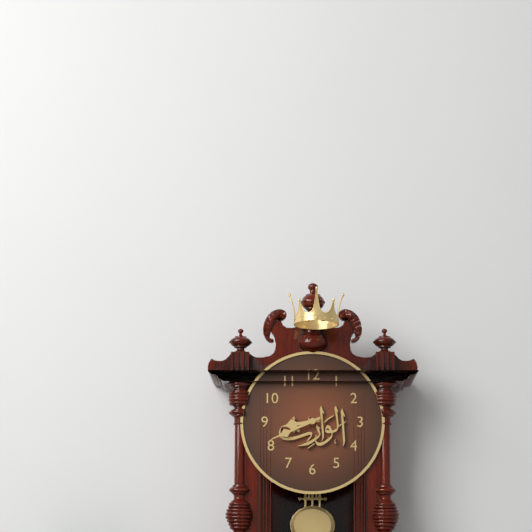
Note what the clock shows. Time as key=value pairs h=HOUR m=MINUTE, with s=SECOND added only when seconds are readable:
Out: h=8 m=41
